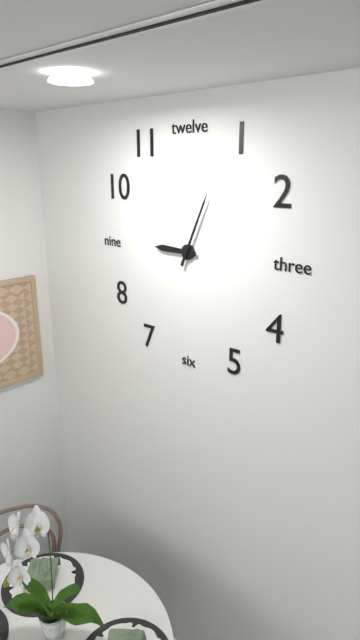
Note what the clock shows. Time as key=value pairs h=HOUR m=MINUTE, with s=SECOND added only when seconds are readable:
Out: h=9 m=4
